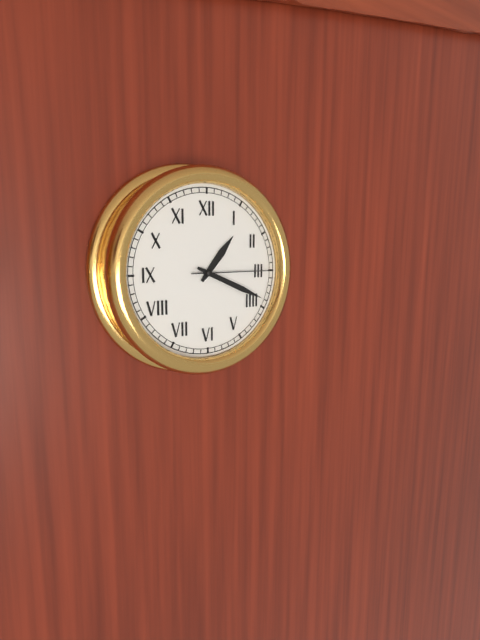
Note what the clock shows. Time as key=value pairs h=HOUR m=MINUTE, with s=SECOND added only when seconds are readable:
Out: h=1 m=19 s=15
